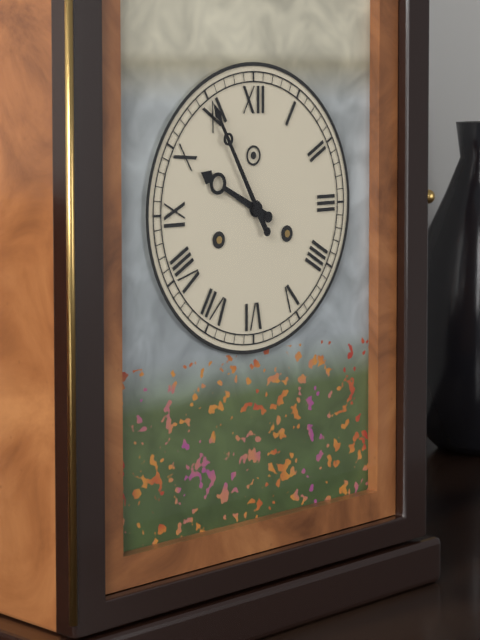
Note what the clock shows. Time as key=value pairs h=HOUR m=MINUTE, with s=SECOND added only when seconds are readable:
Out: h=9 m=55
